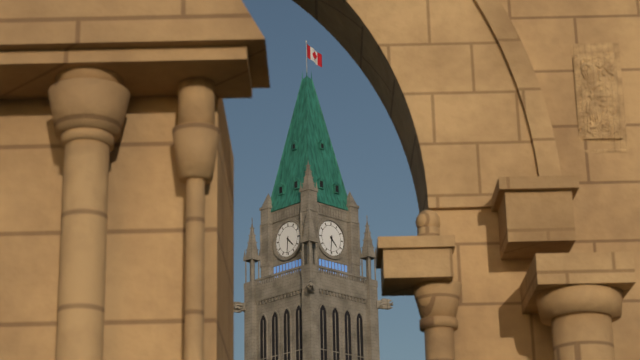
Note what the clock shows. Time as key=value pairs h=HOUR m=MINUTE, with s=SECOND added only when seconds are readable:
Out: h=4 m=31
